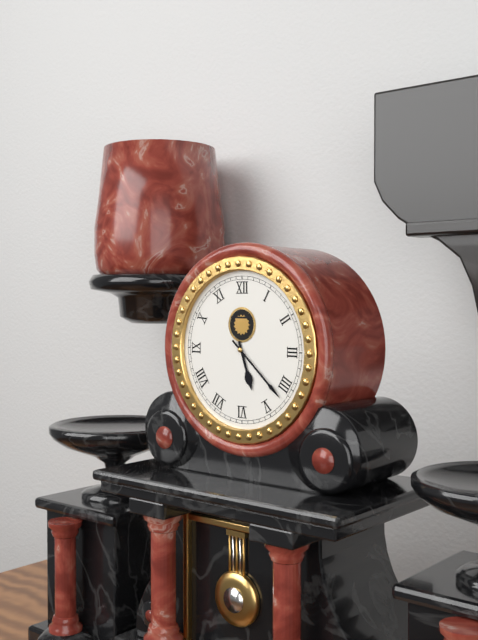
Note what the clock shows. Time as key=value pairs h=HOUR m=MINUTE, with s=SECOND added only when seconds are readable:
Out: h=5 m=22
